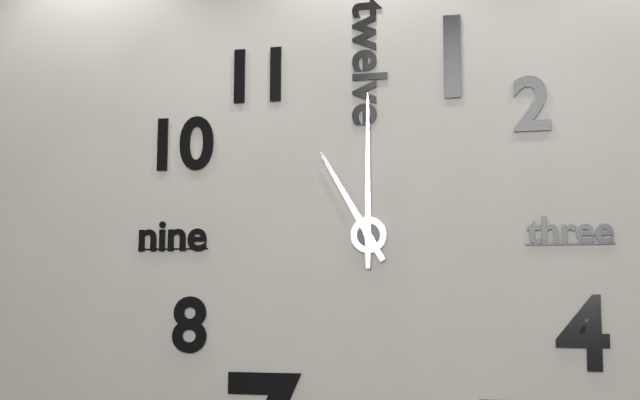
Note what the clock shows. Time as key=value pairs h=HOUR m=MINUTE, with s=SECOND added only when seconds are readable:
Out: h=11 m=0
